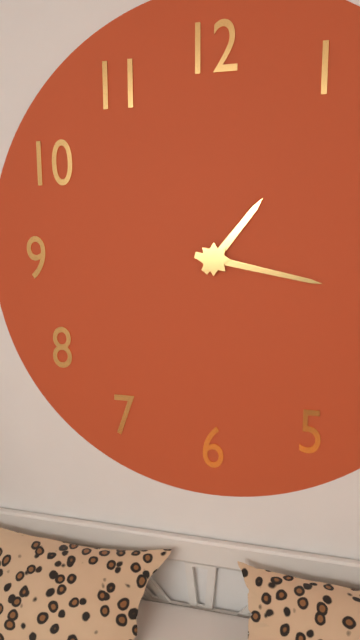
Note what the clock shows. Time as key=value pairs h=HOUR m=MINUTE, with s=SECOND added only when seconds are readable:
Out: h=1 m=17
